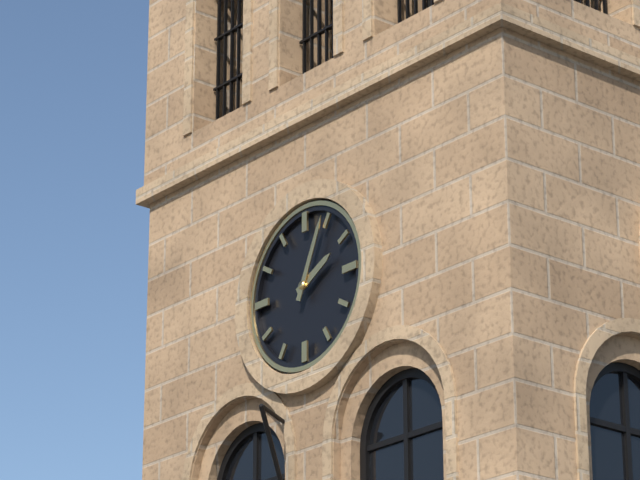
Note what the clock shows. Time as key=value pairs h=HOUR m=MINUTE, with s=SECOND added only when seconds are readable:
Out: h=2 m=4
